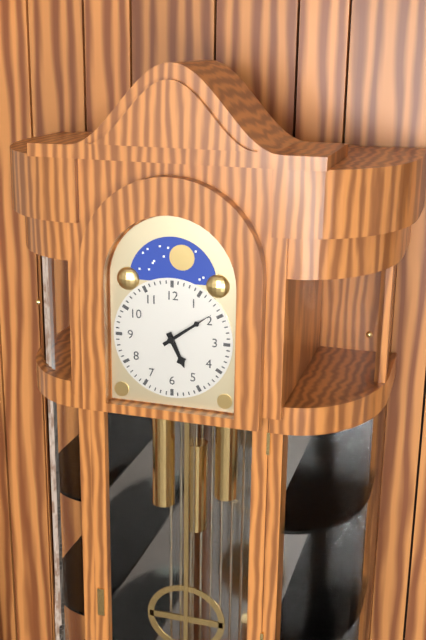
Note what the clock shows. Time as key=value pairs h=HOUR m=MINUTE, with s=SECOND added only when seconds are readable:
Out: h=5 m=9
